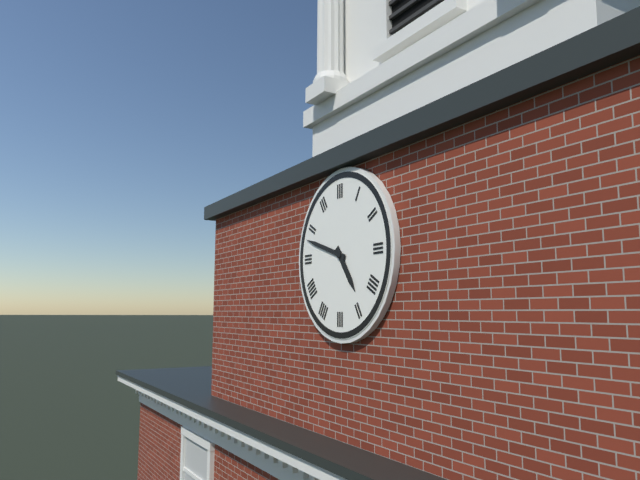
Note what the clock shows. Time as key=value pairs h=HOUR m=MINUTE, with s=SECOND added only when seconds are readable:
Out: h=4 m=48
